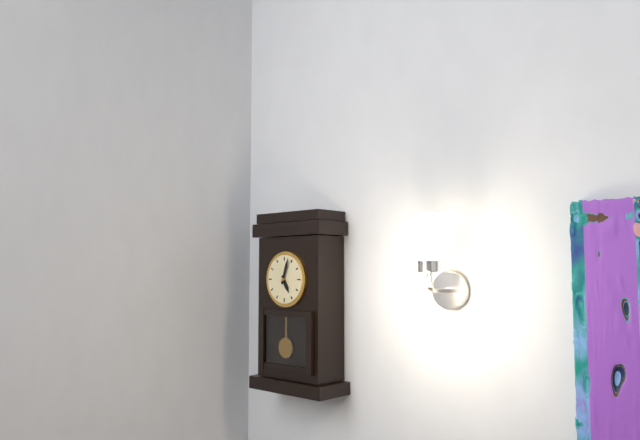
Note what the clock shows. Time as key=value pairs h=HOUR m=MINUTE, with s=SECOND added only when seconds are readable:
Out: h=5 m=3
